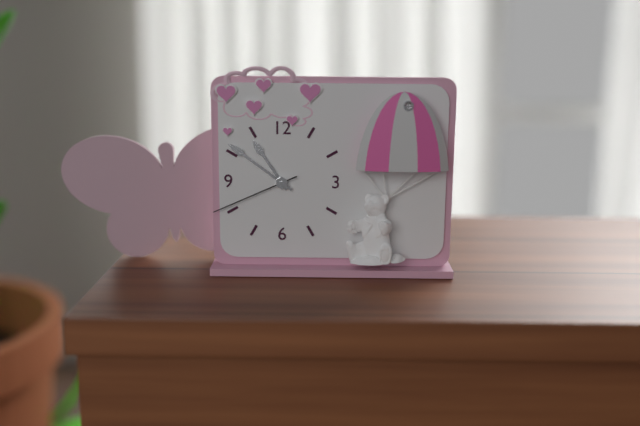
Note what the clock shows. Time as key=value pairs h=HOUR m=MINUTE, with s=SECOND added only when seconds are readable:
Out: h=10 m=51 s=41
